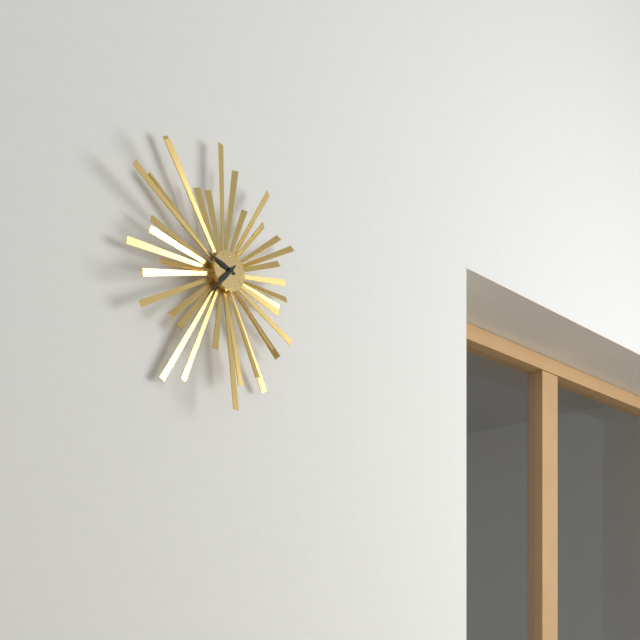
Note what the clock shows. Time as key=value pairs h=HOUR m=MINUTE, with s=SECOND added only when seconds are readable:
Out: h=9 m=37
